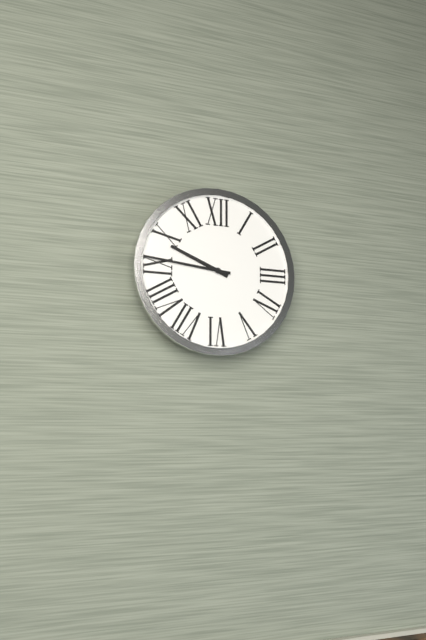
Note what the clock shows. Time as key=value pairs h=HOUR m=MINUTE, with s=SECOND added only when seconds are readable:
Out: h=9 m=46
